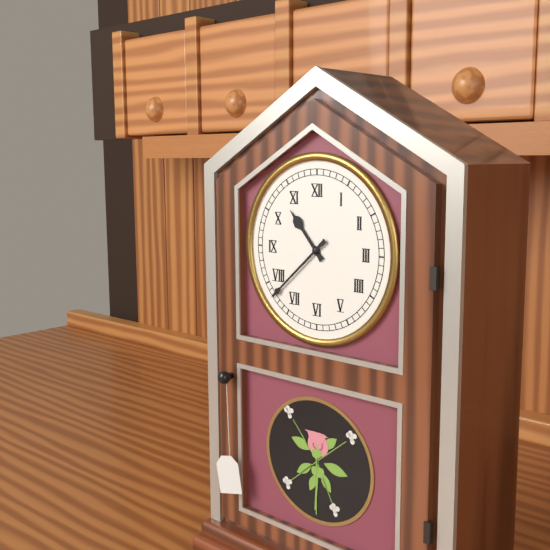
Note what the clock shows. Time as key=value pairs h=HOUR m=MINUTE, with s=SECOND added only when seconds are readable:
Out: h=10 m=38
